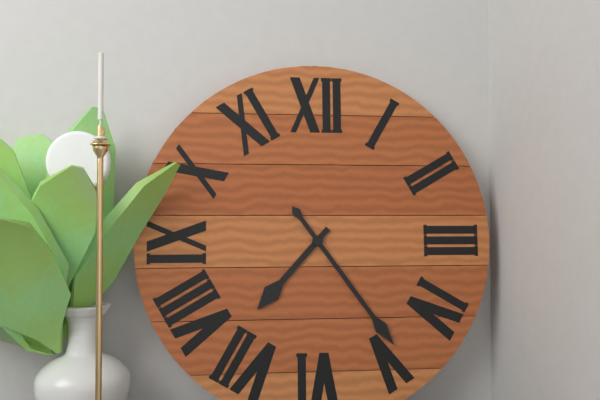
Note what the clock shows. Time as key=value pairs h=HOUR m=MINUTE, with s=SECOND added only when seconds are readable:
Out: h=7 m=24
